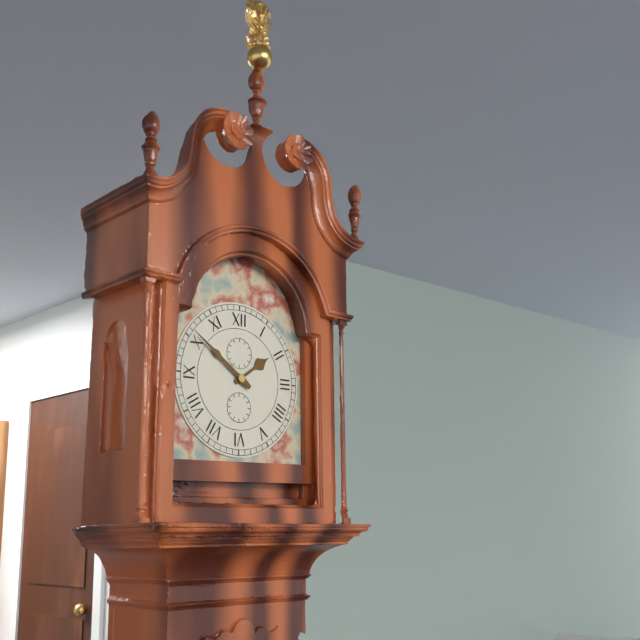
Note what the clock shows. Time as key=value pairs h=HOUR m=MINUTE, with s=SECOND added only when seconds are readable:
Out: h=1 m=51
